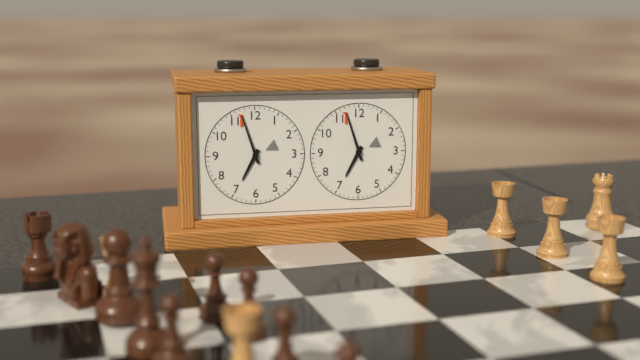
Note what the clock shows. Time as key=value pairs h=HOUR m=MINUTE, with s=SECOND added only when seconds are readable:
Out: h=6 m=57
